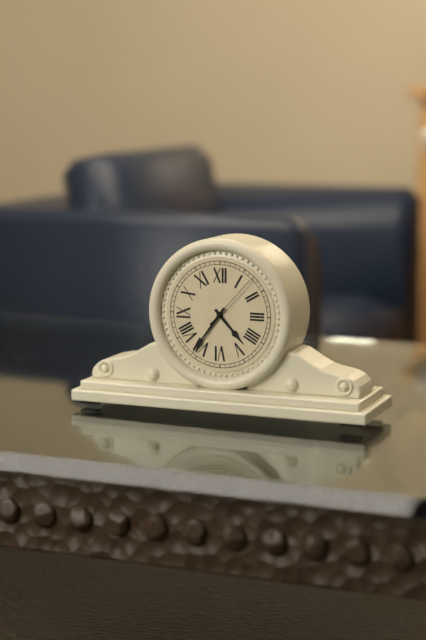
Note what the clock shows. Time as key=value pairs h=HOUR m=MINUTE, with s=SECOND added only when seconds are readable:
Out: h=4 m=36 s=7
